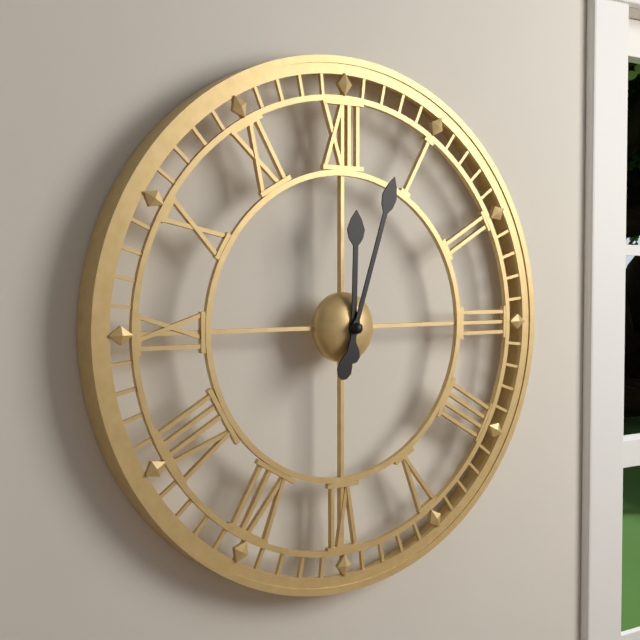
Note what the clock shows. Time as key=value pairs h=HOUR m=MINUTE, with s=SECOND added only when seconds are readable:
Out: h=12 m=3
